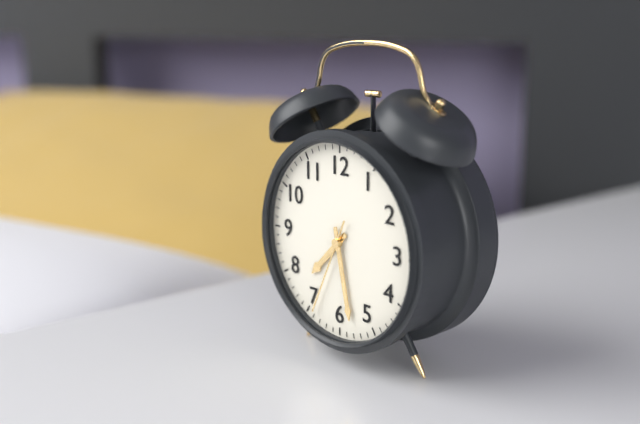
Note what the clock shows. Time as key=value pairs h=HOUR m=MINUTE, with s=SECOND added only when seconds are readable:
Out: h=7 m=28 s=34
